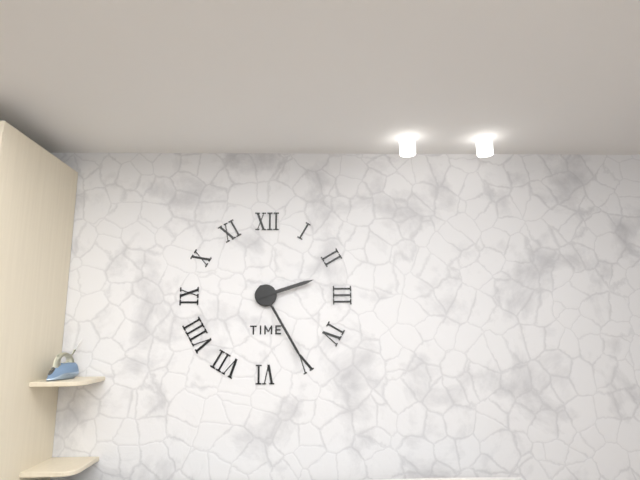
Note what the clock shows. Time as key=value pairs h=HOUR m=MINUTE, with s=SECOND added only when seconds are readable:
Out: h=2 m=25
